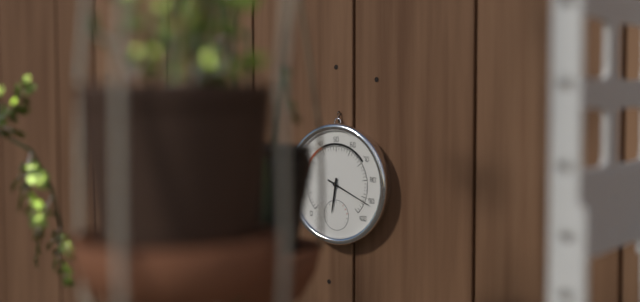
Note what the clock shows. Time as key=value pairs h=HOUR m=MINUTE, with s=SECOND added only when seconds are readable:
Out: h=6 m=19
